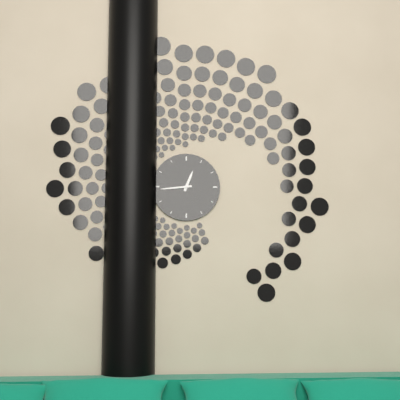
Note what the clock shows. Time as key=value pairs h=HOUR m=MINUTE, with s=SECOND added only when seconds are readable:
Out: h=12 m=44
